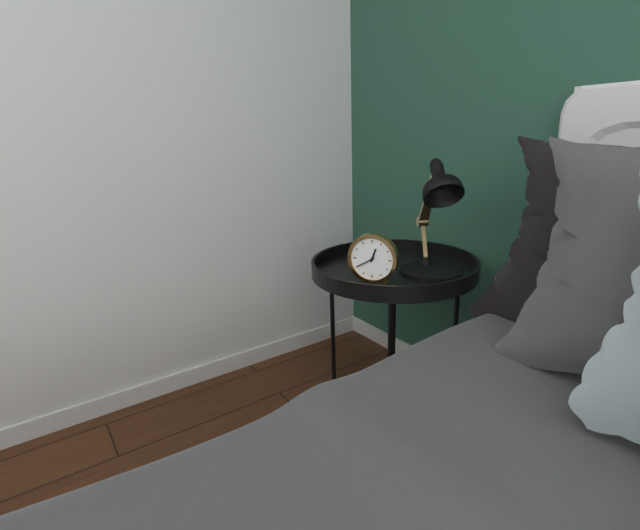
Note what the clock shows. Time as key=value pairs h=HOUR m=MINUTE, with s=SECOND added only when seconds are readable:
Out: h=12 m=40
